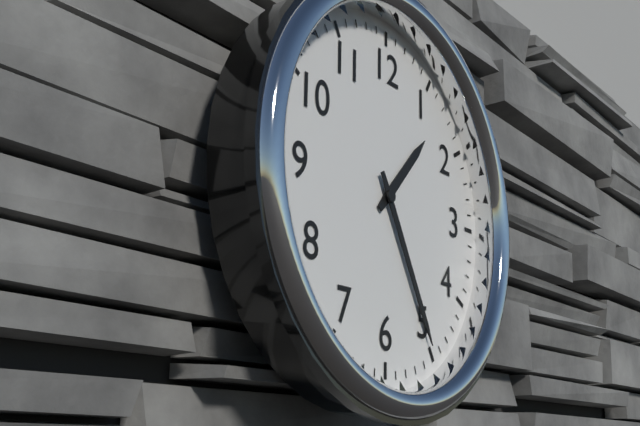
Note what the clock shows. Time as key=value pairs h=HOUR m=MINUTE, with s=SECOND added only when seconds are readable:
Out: h=1 m=25
